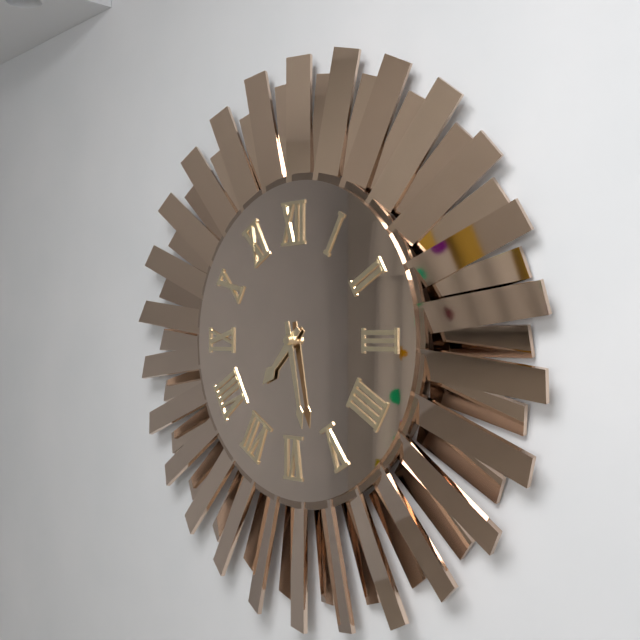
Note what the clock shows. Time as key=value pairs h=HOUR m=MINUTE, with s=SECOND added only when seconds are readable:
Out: h=7 m=28
